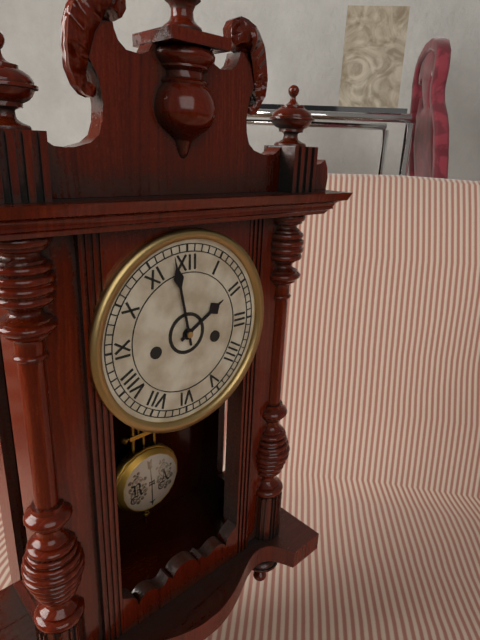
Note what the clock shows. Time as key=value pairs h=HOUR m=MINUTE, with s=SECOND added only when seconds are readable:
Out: h=1 m=58
